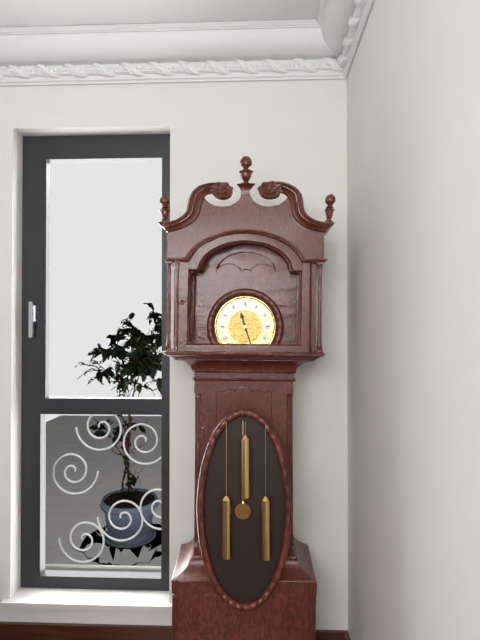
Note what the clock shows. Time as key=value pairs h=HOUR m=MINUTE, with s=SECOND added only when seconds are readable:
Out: h=11 m=27
